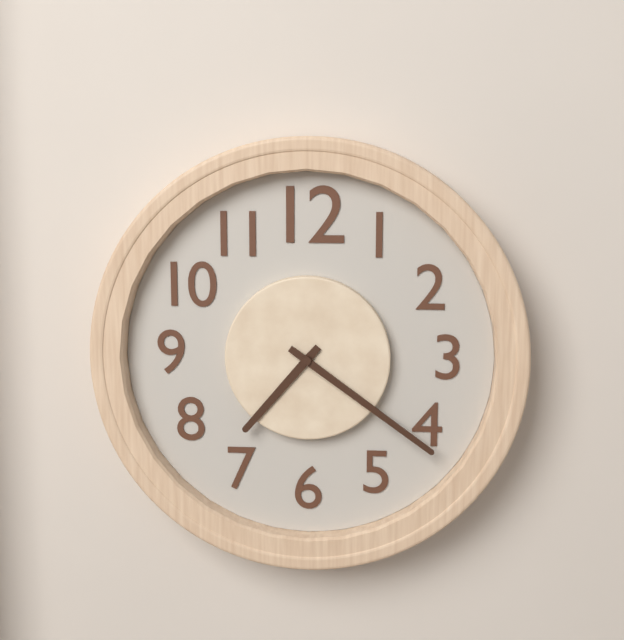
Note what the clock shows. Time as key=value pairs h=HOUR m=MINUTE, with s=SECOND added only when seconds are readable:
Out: h=7 m=21
